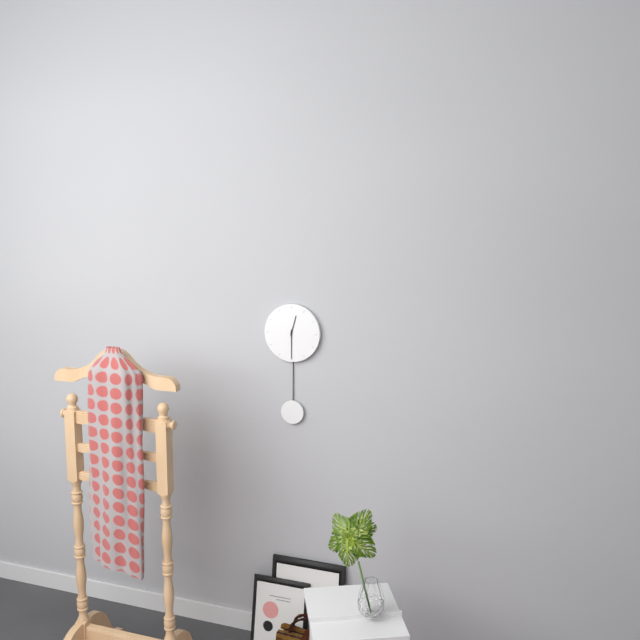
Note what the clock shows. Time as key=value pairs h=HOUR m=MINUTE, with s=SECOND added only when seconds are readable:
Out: h=12 m=30
